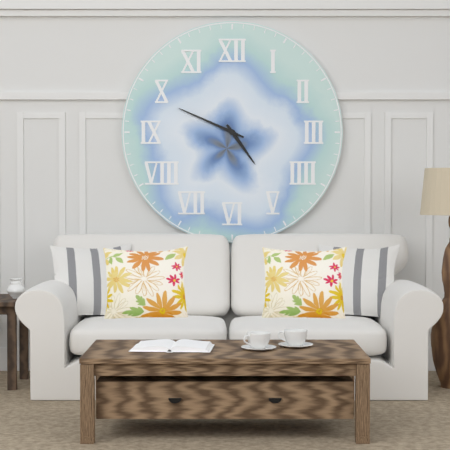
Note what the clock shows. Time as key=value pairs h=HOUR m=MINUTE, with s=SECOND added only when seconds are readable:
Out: h=4 m=49
